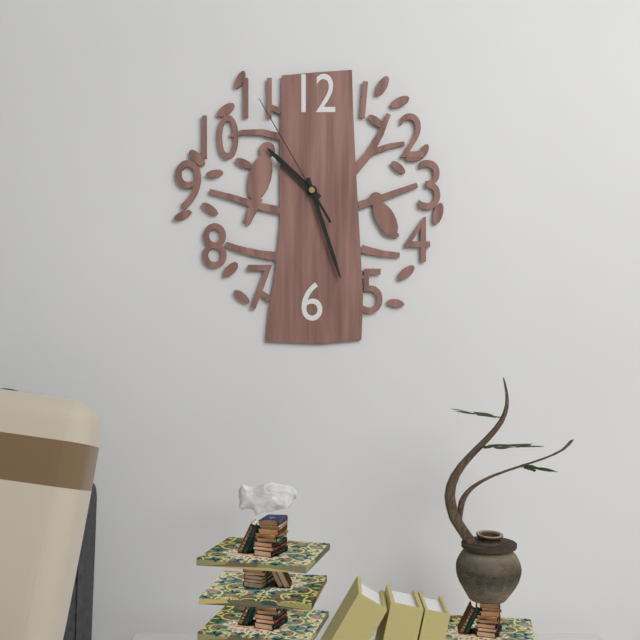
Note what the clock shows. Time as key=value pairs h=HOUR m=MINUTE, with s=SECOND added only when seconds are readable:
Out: h=10 m=27 s=55
